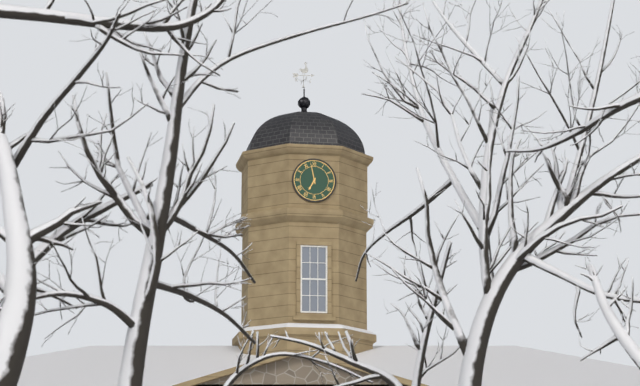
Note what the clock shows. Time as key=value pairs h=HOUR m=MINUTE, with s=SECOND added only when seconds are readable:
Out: h=6 m=58
